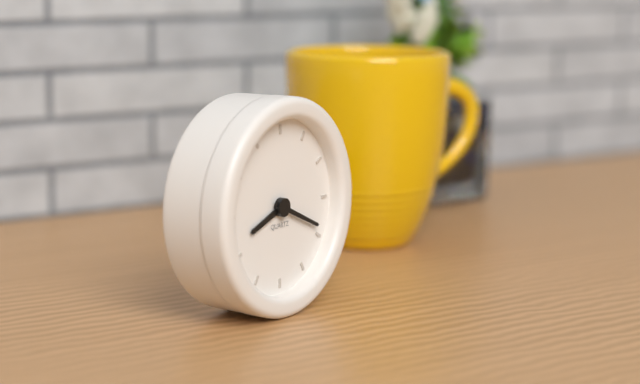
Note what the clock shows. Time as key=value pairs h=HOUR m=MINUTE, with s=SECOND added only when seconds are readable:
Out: h=8 m=19
